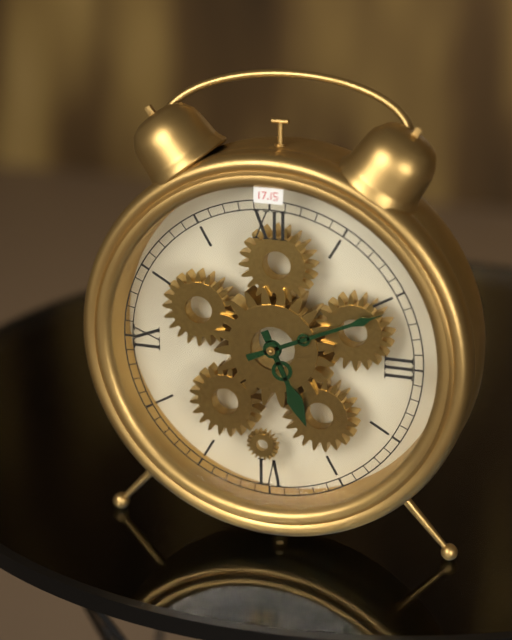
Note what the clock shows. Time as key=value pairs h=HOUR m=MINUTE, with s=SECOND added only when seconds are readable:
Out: h=5 m=11
